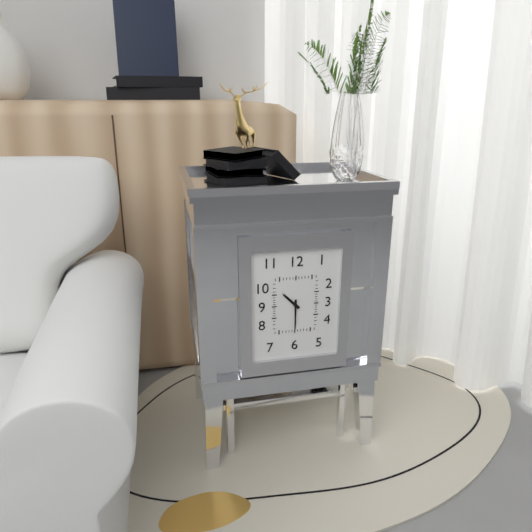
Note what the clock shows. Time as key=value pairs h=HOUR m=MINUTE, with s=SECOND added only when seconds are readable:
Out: h=10 m=30
